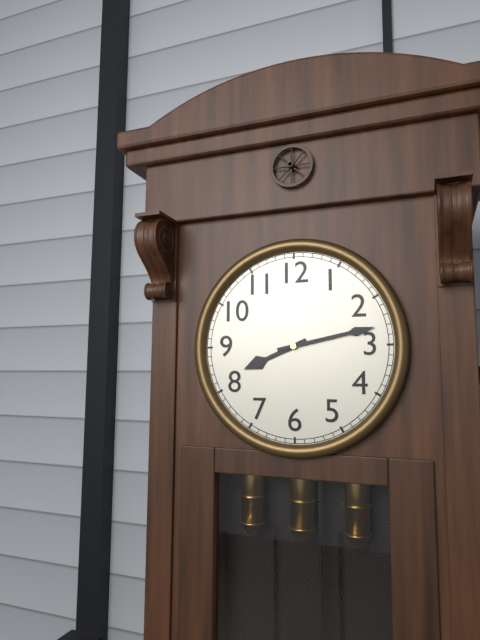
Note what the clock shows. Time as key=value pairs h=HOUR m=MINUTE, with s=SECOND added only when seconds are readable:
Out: h=8 m=13
